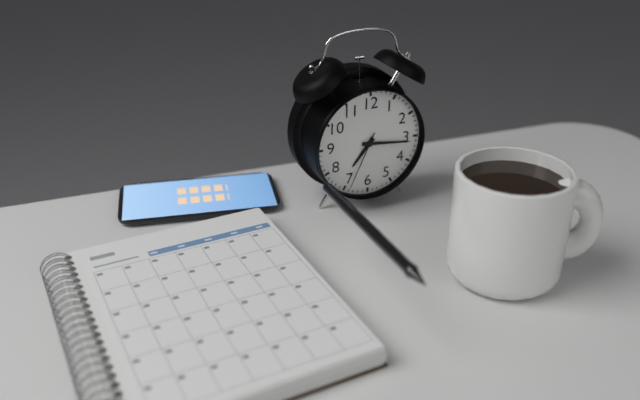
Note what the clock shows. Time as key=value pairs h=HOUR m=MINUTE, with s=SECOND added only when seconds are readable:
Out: h=7 m=16 s=34
